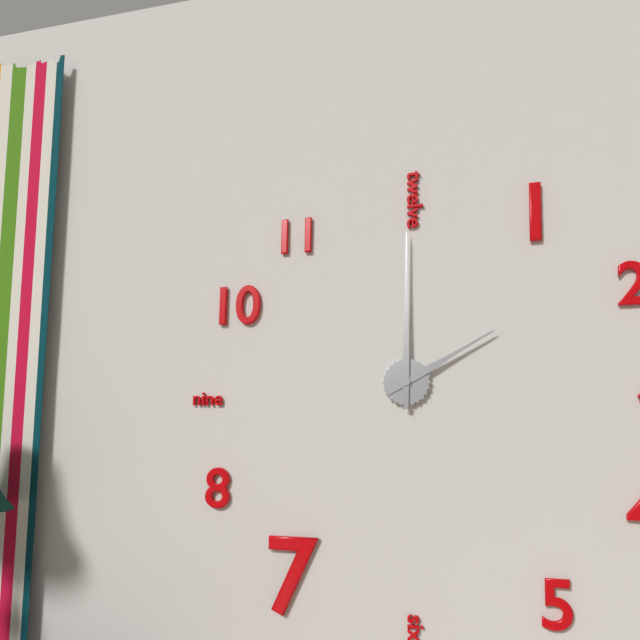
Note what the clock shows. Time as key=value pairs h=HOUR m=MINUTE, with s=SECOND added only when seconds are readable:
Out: h=2 m=0
